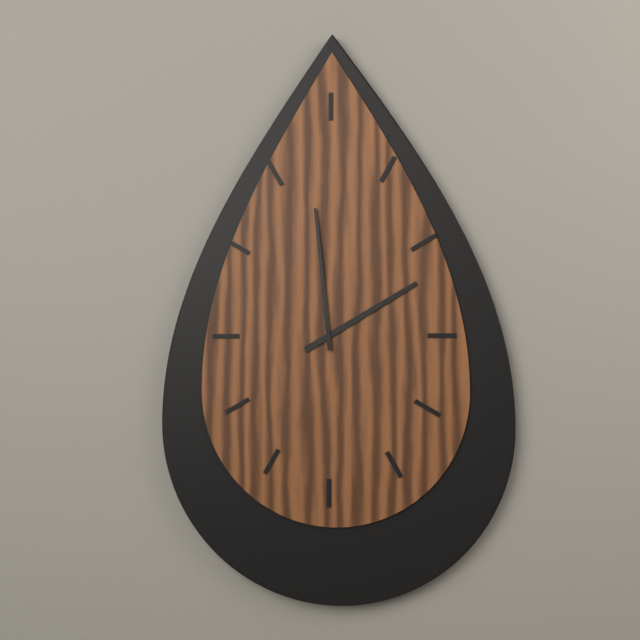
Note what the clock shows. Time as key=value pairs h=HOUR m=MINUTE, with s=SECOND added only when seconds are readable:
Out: h=1 m=59
